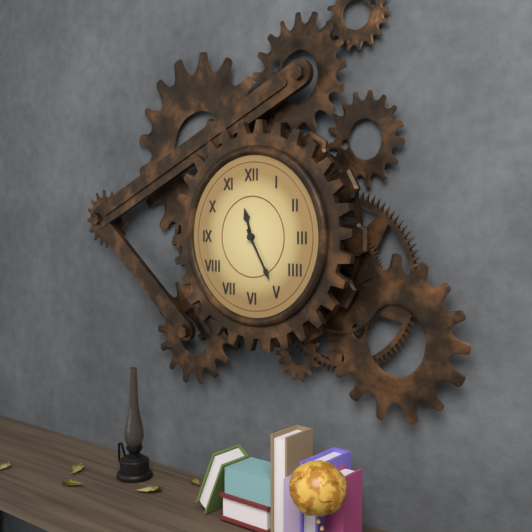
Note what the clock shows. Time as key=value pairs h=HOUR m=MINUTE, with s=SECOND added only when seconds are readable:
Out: h=11 m=25
